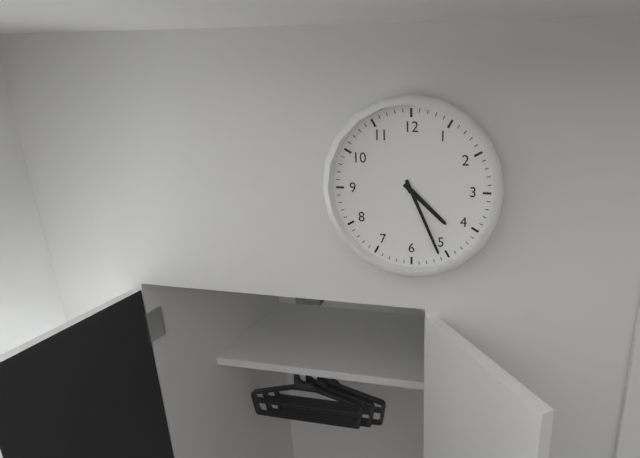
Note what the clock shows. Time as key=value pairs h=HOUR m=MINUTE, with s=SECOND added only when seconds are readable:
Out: h=4 m=26
